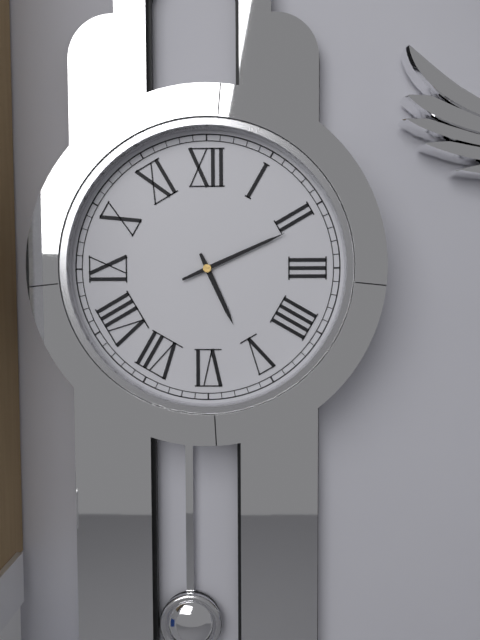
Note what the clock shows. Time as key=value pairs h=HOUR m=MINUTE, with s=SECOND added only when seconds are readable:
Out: h=5 m=11
